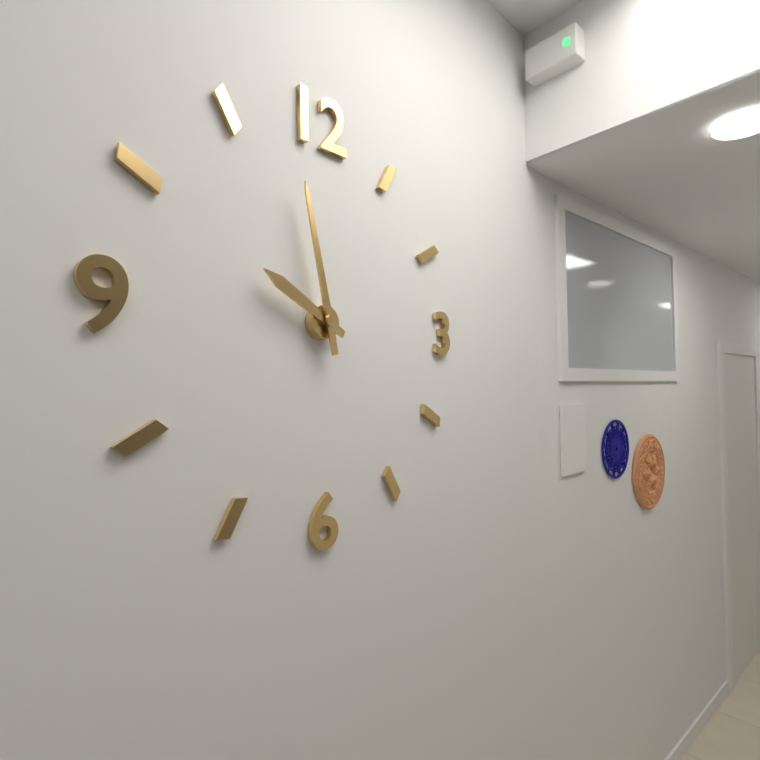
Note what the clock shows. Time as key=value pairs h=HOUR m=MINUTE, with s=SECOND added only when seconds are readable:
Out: h=9 m=58
